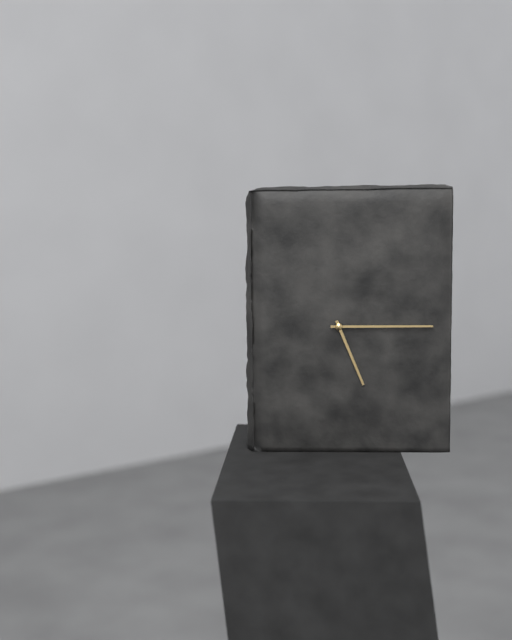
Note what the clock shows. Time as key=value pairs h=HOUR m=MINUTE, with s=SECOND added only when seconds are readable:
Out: h=5 m=15
